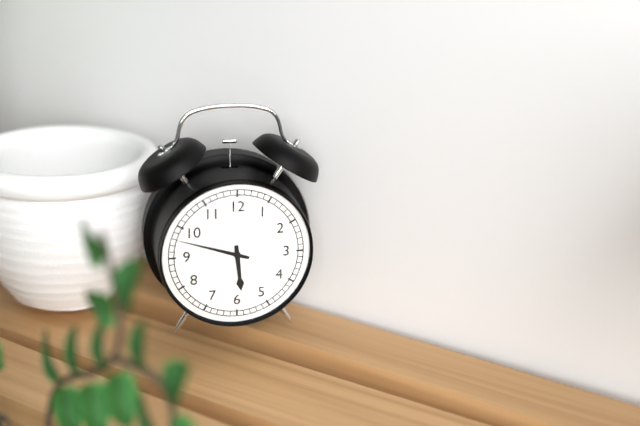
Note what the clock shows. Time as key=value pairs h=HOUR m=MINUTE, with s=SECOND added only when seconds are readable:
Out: h=5 m=48
